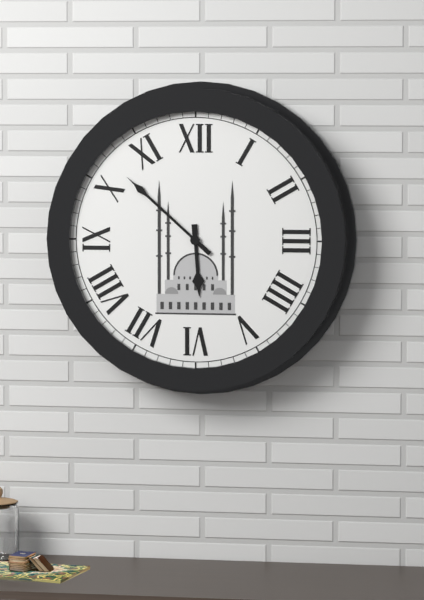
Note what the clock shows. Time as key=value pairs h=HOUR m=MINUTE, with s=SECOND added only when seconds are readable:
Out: h=5 m=52
